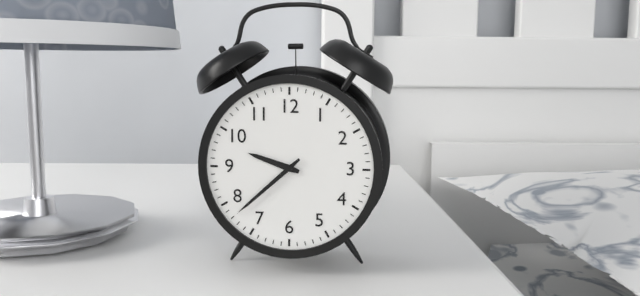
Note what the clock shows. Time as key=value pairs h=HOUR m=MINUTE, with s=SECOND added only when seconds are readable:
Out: h=9 m=38
